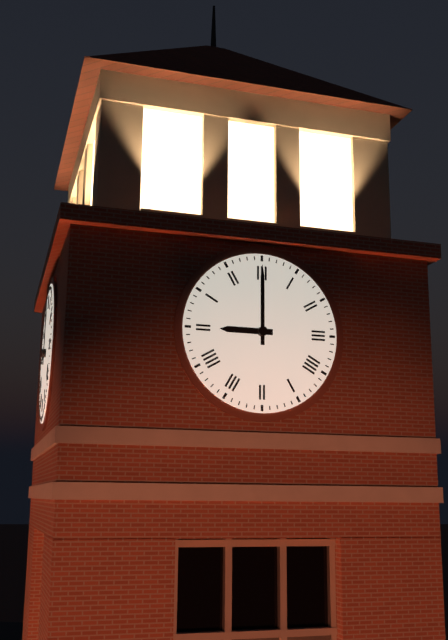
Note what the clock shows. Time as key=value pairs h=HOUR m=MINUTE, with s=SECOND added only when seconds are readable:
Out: h=9 m=0
